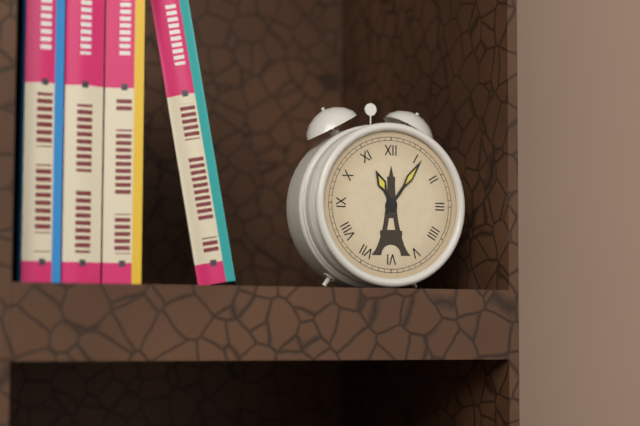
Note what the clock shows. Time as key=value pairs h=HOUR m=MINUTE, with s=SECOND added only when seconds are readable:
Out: h=11 m=6
